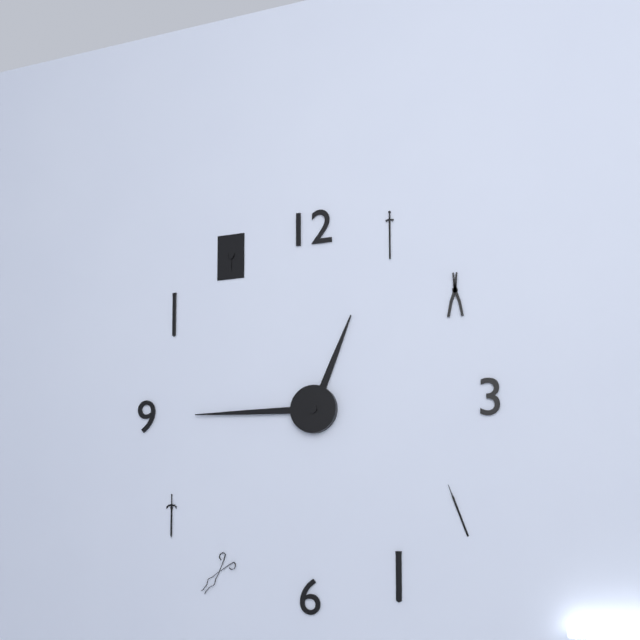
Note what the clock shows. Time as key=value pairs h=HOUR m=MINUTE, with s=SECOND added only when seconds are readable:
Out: h=12 m=45
